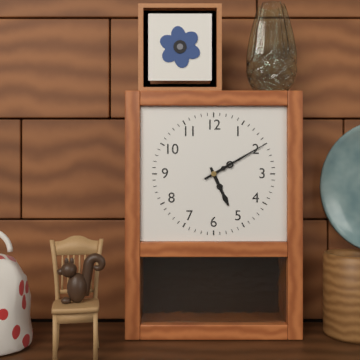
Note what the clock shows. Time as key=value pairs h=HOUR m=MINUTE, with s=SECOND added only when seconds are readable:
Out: h=5 m=10
